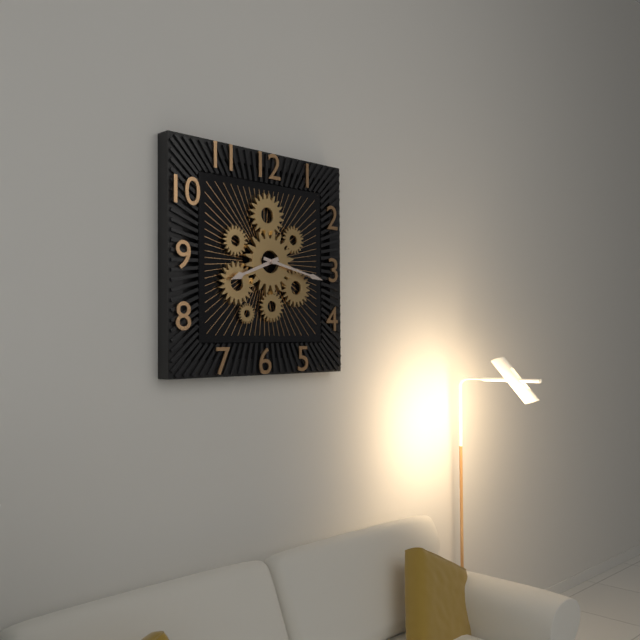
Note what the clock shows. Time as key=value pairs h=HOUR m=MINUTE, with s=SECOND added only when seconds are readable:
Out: h=8 m=17
